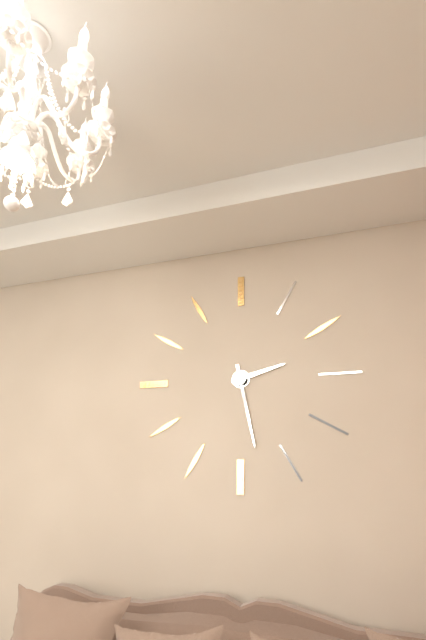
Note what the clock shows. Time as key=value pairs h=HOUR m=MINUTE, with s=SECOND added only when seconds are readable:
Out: h=2 m=28
